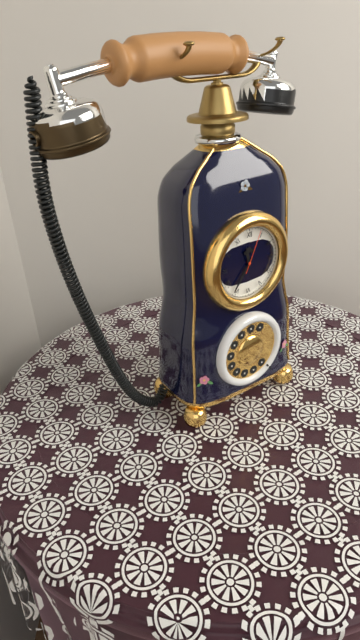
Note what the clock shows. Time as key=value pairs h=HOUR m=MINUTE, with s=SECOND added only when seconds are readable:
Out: h=11 m=36
